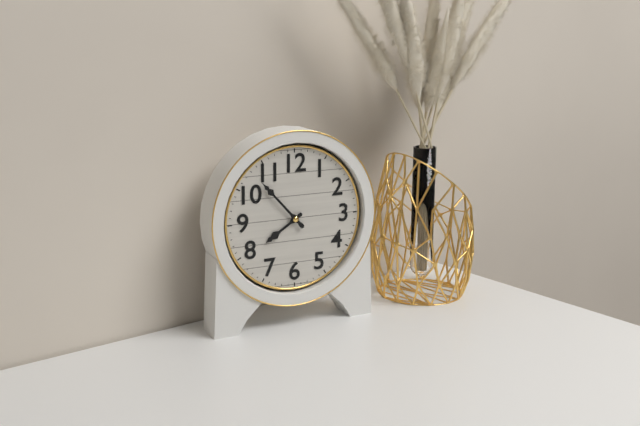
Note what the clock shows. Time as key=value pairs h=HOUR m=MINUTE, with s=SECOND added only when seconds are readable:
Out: h=7 m=53
